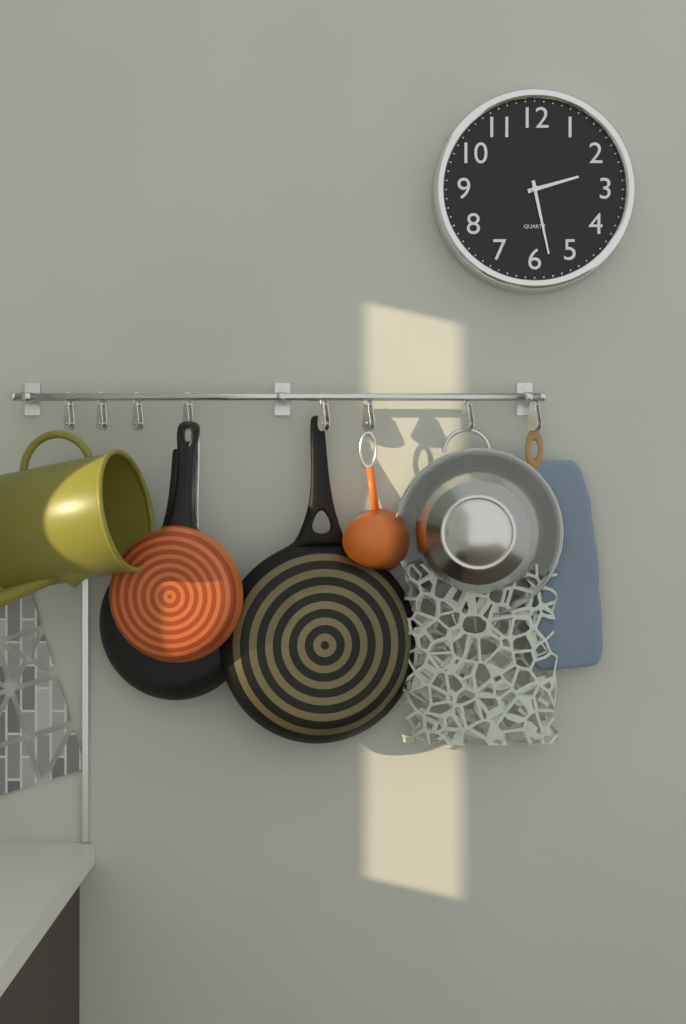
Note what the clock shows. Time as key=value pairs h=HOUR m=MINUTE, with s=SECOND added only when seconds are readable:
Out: h=2 m=28
